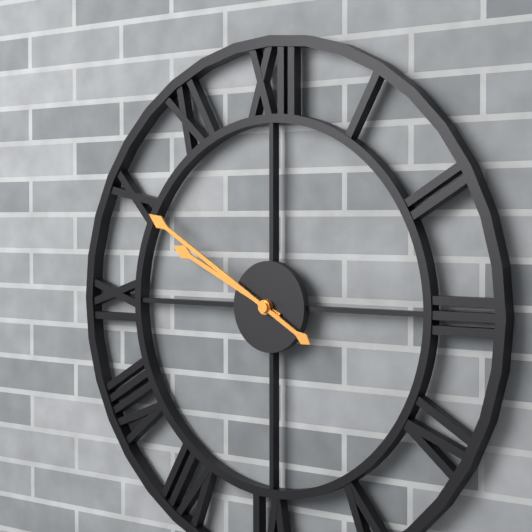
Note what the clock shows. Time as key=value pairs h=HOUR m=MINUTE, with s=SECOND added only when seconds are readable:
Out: h=9 m=50
